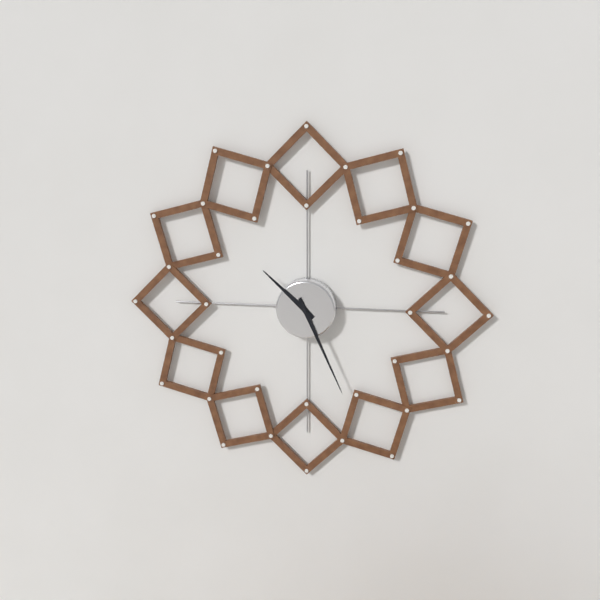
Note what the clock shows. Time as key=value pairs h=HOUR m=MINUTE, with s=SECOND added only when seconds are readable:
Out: h=10 m=26
